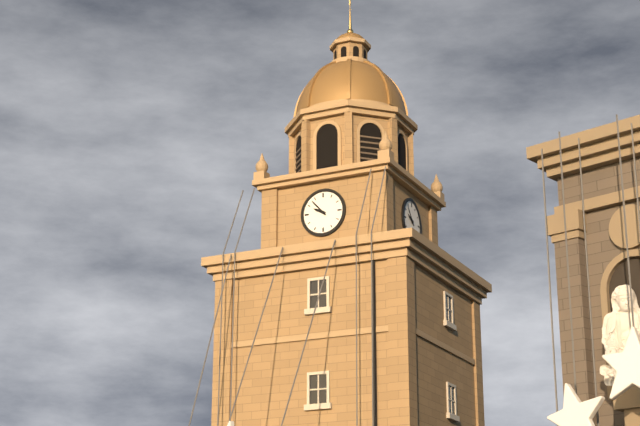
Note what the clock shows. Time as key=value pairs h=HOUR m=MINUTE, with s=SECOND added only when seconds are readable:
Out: h=9 m=53
